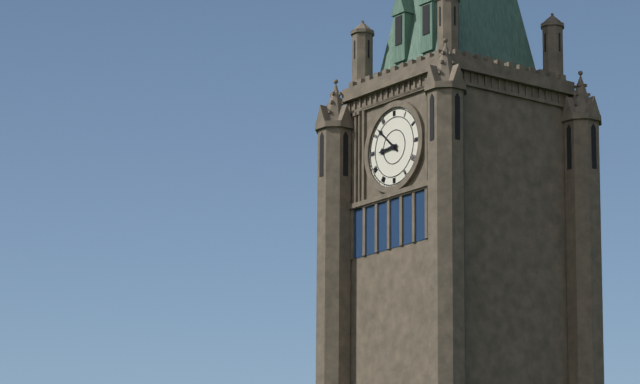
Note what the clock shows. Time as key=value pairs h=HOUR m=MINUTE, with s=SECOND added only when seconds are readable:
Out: h=8 m=52
